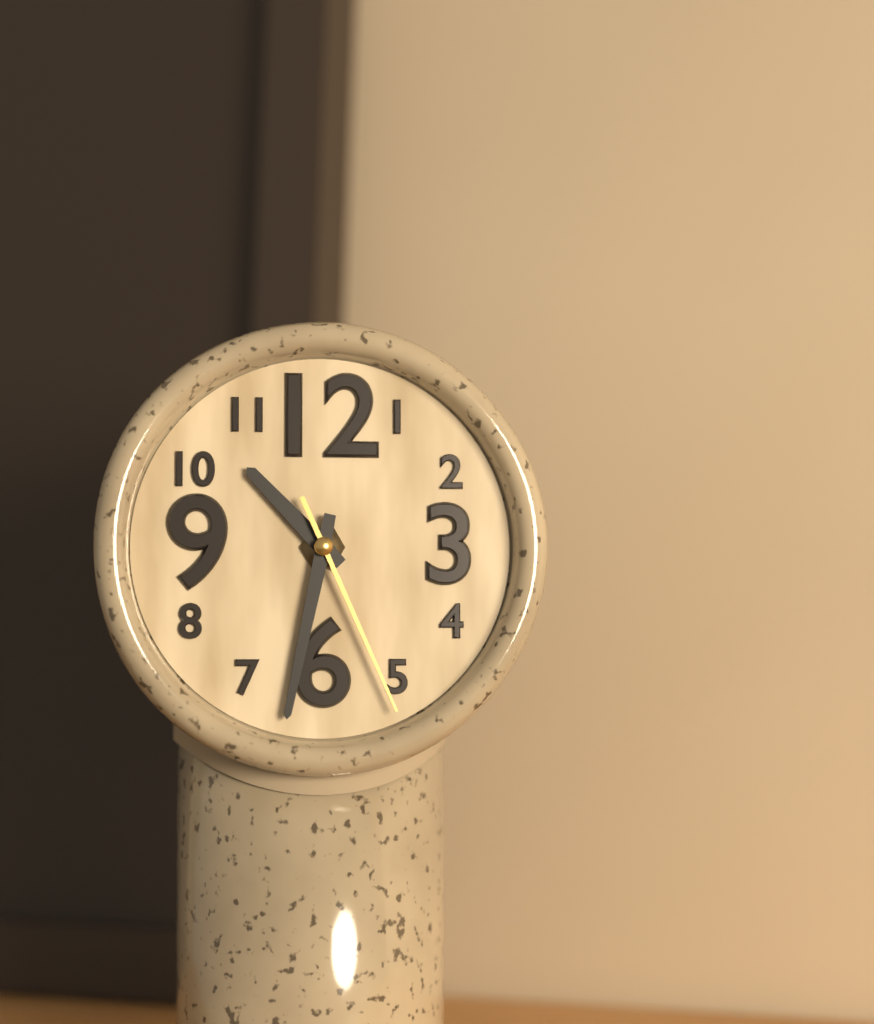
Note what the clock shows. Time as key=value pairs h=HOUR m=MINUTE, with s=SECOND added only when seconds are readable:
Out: h=10 m=32 s=26
